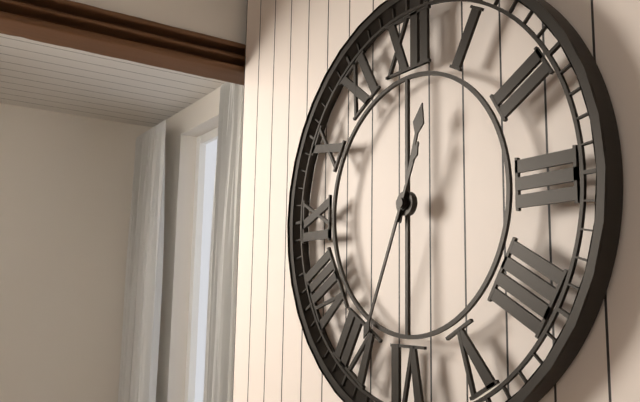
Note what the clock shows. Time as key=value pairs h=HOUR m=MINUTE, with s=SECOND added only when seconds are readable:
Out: h=12 m=34
